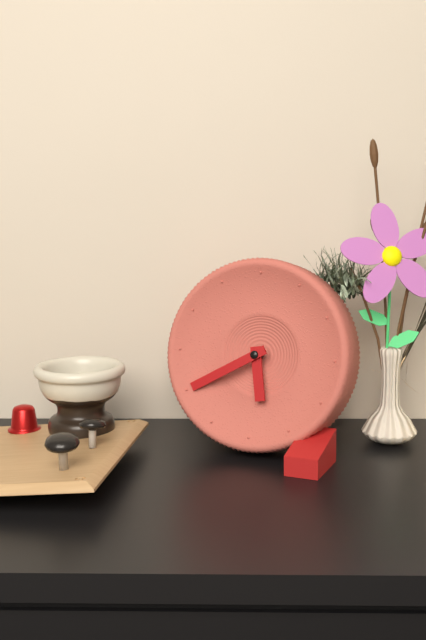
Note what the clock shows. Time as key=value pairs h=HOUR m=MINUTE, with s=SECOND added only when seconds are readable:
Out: h=5 m=40
